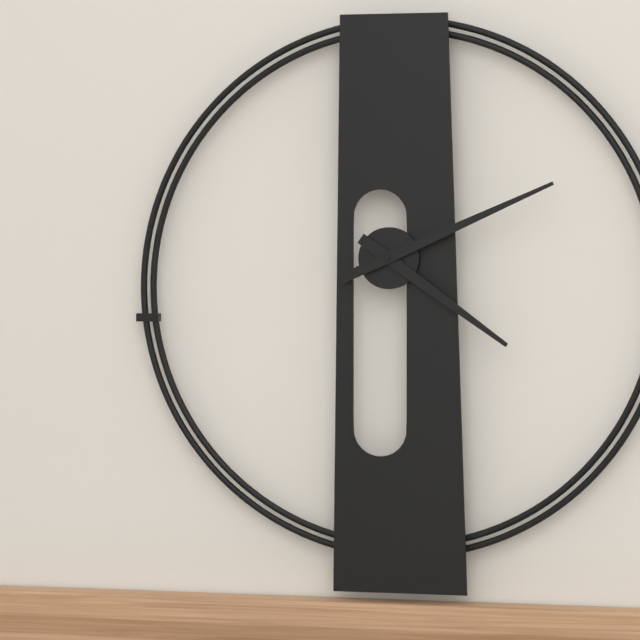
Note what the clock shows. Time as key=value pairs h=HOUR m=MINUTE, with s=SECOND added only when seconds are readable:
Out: h=4 m=11
